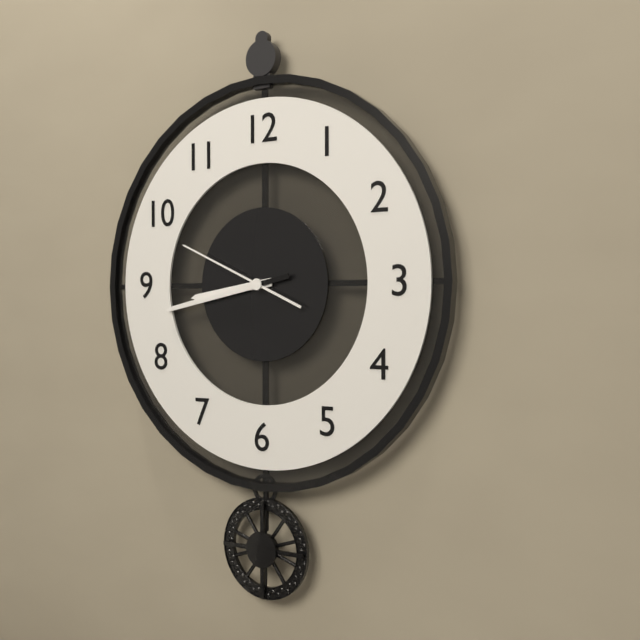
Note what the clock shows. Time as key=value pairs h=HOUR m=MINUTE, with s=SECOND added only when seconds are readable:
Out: h=8 m=43 s=49
